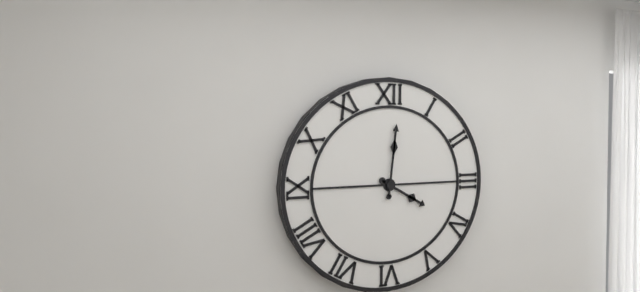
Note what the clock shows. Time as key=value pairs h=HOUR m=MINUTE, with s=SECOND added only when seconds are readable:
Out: h=4 m=1
